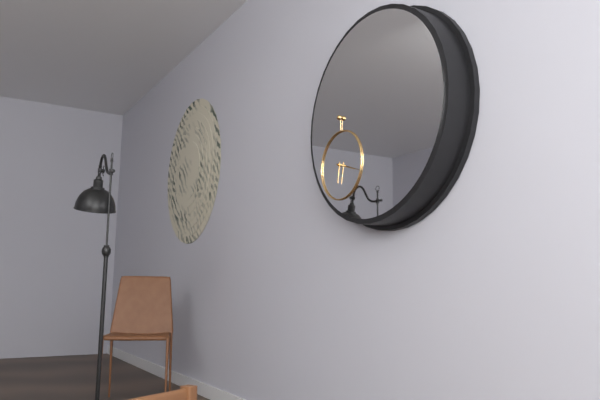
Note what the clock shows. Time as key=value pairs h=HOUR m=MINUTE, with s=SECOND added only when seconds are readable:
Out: h=6 m=18
